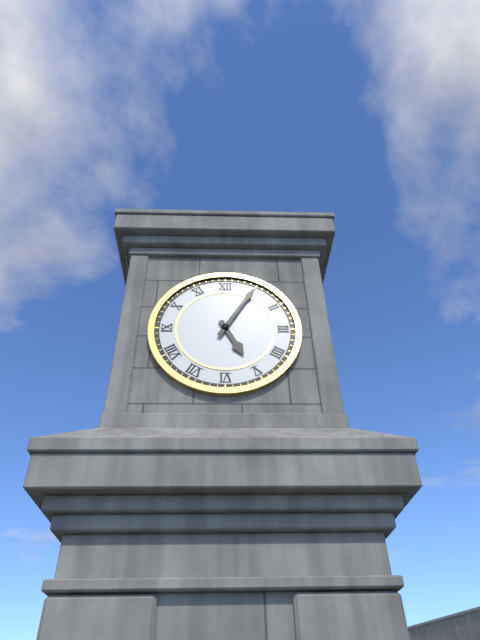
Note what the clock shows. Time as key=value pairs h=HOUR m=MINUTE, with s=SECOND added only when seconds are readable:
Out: h=5 m=5
